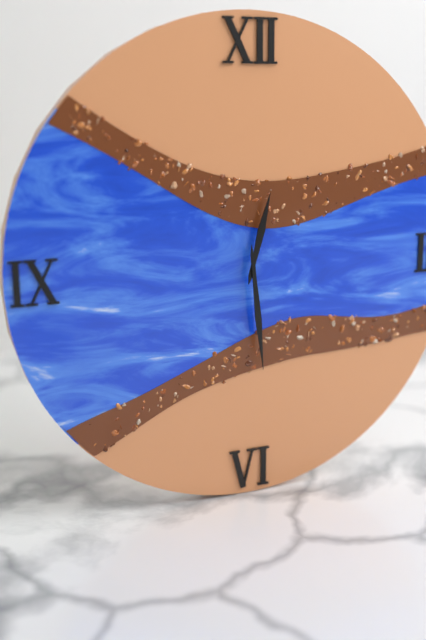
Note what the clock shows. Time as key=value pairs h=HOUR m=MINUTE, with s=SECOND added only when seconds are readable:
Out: h=12 m=29
